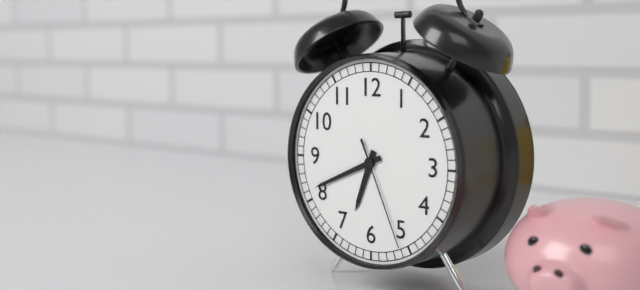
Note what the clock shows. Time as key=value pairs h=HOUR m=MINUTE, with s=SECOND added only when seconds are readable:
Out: h=6 m=41 s=26
